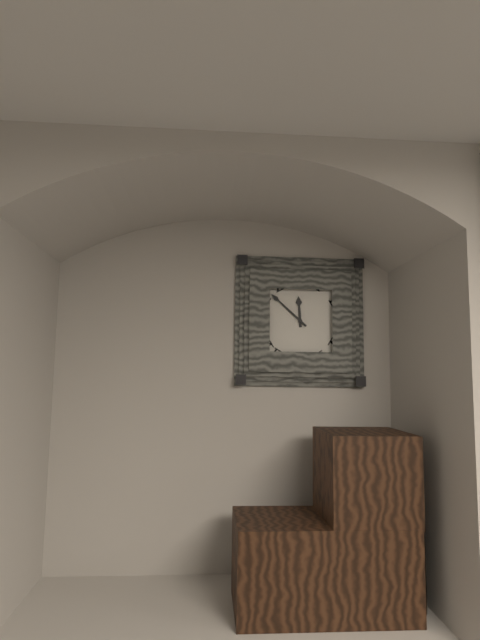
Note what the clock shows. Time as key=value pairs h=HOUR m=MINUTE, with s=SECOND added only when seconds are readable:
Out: h=11 m=52
